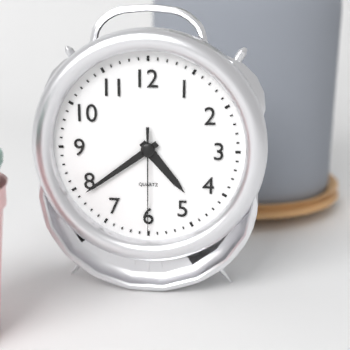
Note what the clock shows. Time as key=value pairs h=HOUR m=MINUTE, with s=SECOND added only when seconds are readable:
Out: h=4 m=39 s=30
